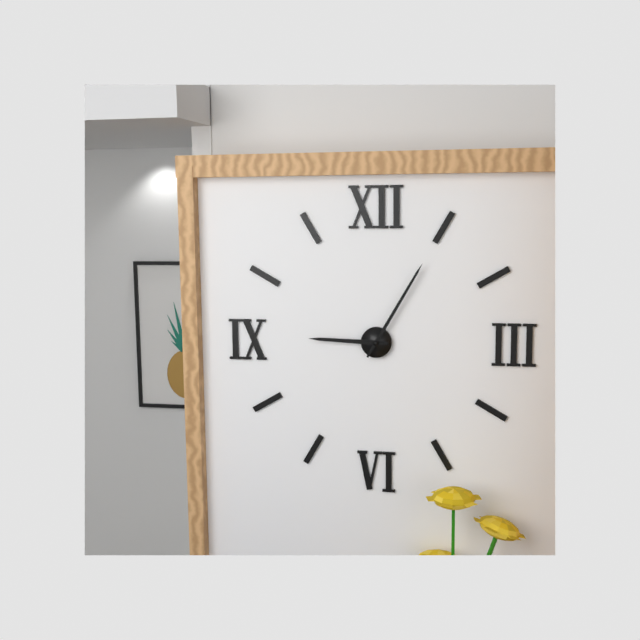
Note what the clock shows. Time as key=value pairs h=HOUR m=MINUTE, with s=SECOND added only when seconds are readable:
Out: h=9 m=5
